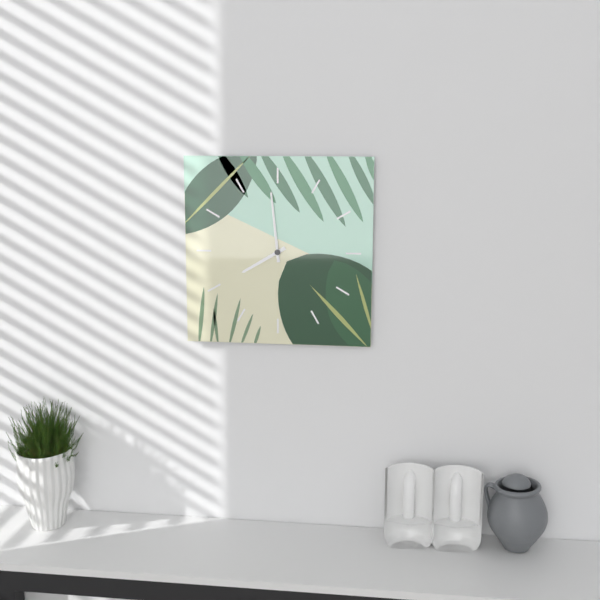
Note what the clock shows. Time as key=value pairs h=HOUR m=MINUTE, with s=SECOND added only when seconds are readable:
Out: h=7 m=59
